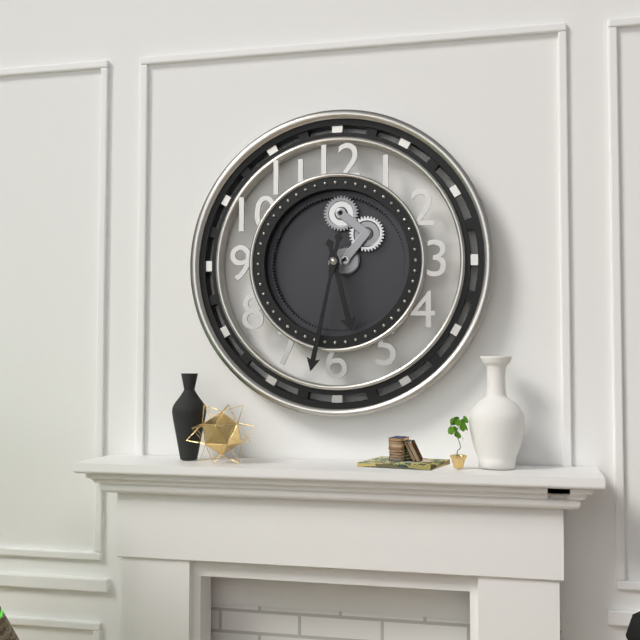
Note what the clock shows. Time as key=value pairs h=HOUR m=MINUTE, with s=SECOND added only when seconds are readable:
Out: h=5 m=32
